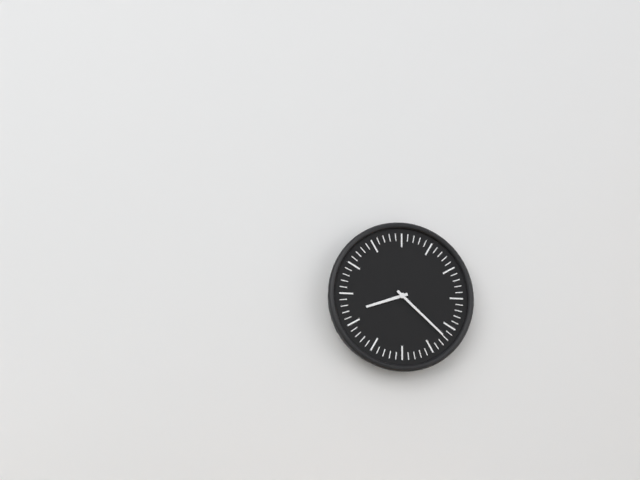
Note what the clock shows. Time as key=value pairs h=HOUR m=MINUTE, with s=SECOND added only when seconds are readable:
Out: h=8 m=22
